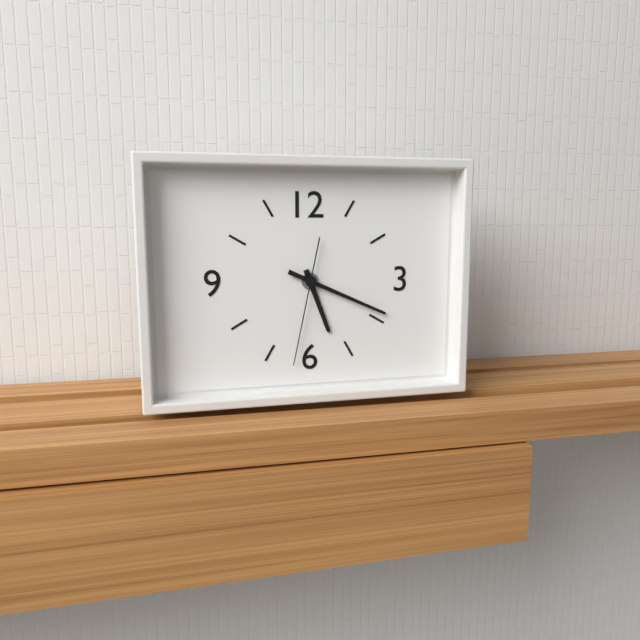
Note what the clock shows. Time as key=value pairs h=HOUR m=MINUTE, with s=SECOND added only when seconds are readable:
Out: h=5 m=19 s=32
